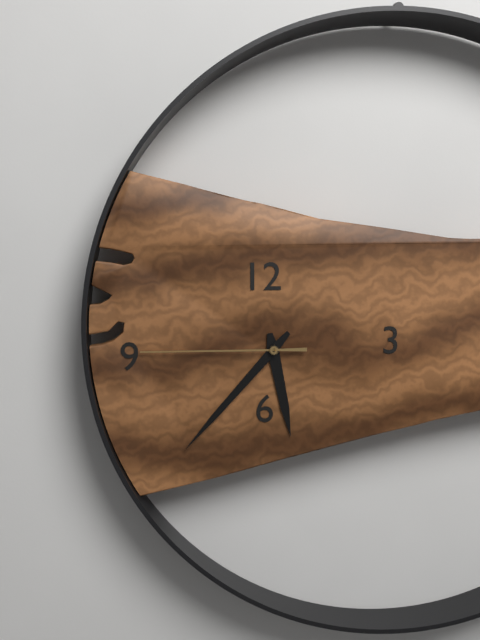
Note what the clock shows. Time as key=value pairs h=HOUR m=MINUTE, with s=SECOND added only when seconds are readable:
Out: h=5 m=37 s=45
